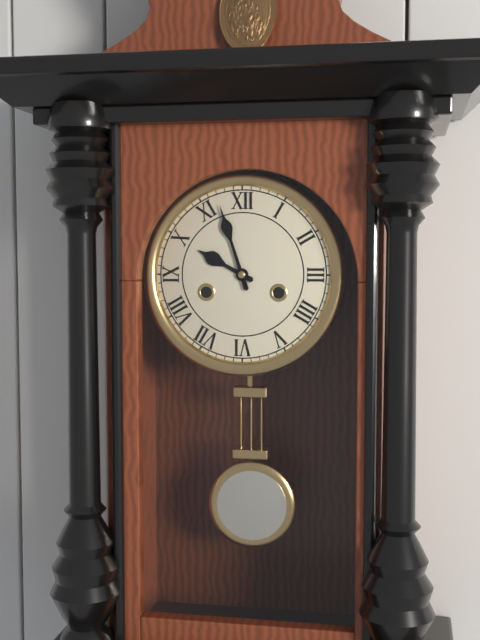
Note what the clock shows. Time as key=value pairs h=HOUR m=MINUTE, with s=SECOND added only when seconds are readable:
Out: h=9 m=57
